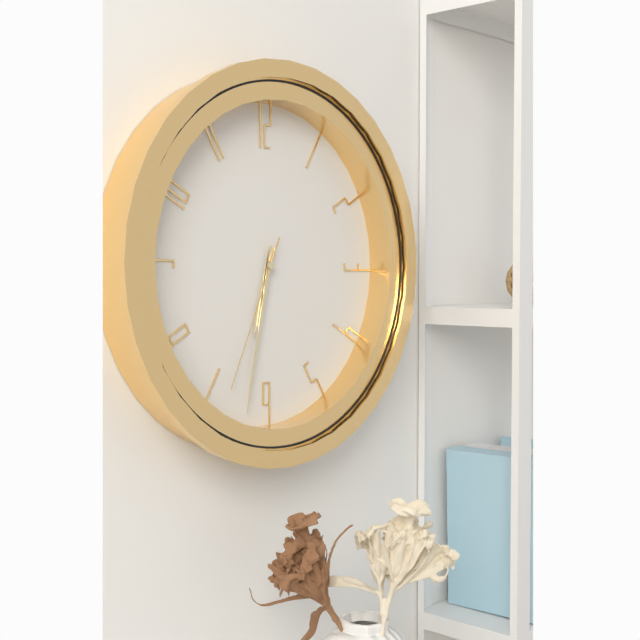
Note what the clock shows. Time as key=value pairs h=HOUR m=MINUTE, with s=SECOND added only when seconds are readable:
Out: h=6 m=32 s=34
